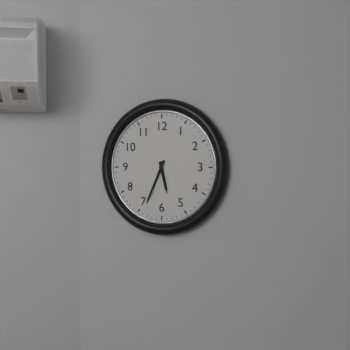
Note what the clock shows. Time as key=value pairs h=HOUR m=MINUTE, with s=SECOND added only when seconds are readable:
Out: h=5 m=34
